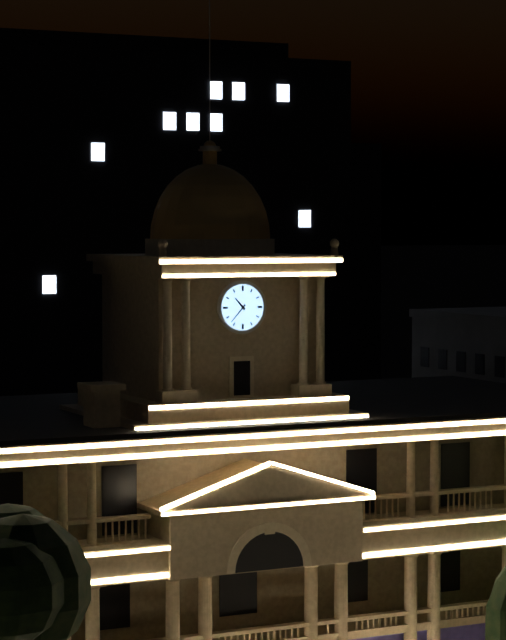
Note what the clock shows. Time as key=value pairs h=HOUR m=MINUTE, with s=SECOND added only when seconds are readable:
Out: h=10 m=37
